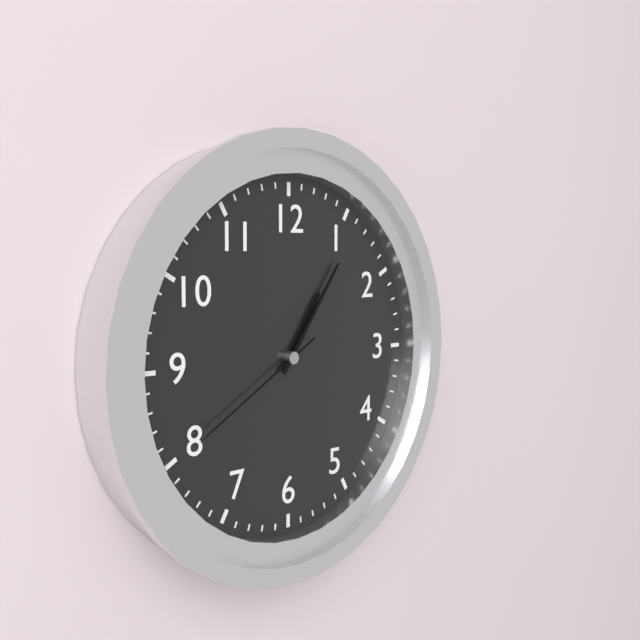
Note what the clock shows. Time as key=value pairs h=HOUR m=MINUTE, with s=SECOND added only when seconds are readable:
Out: h=1 m=6 s=40
